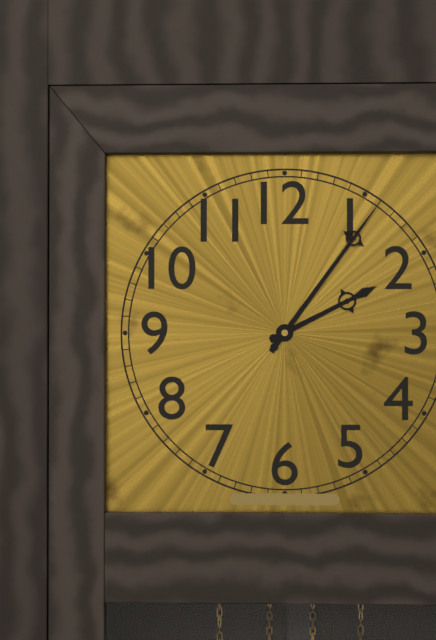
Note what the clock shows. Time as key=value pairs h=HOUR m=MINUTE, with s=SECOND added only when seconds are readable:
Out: h=2 m=6
